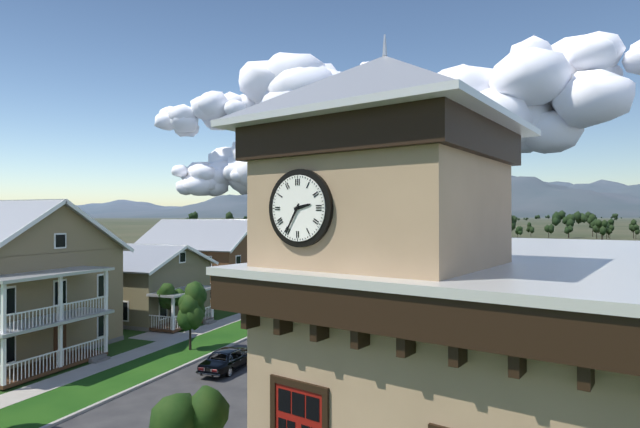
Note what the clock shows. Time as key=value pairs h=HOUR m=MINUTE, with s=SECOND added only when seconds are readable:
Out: h=2 m=35
